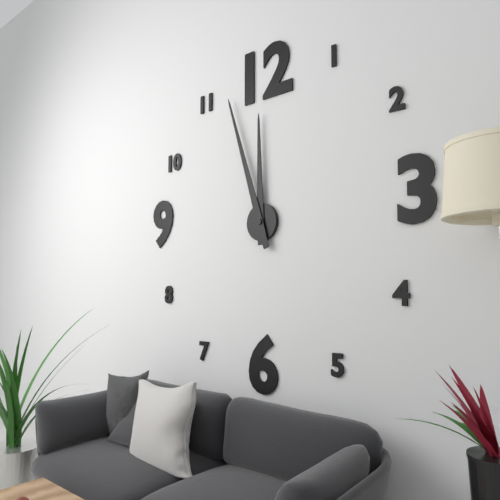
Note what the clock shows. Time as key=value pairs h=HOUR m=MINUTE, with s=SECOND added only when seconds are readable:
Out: h=11 m=57
